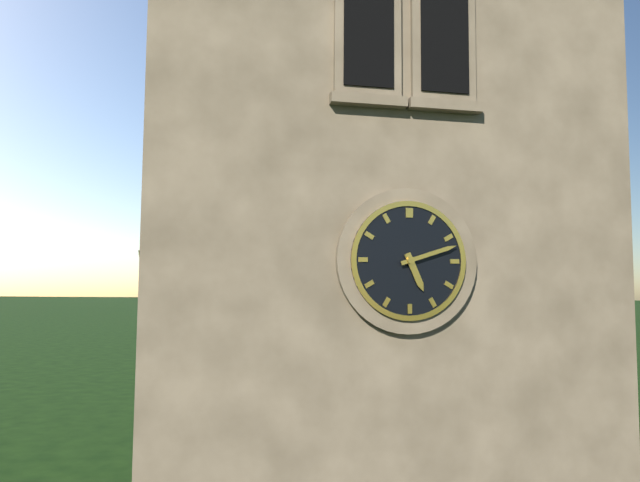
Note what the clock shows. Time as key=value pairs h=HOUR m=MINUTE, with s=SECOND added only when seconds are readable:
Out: h=5 m=12
